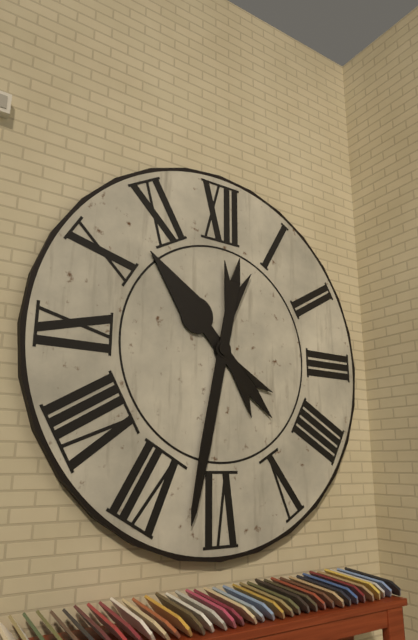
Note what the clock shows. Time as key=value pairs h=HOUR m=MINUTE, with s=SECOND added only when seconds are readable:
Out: h=10 m=32
